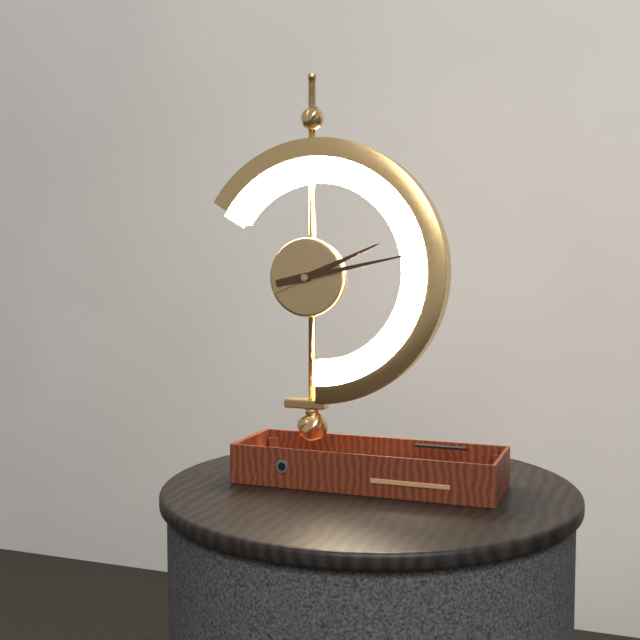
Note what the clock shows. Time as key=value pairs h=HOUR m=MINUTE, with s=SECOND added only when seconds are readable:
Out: h=2 m=13
